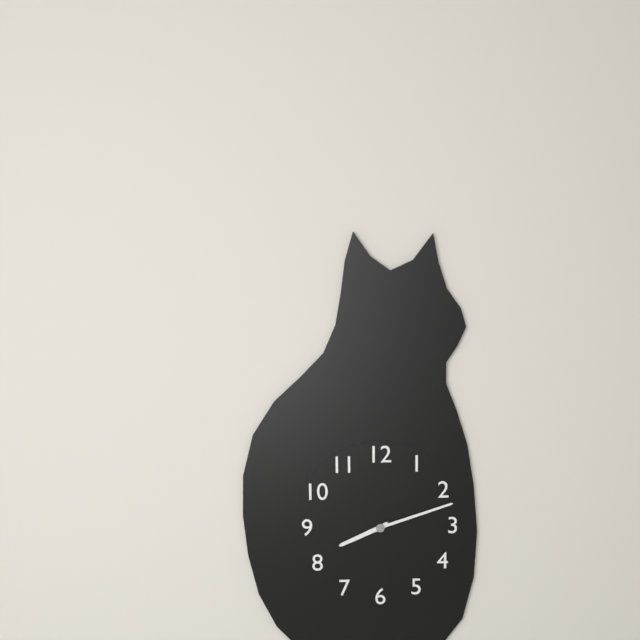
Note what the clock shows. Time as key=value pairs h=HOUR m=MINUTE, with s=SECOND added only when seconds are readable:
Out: h=8 m=12
